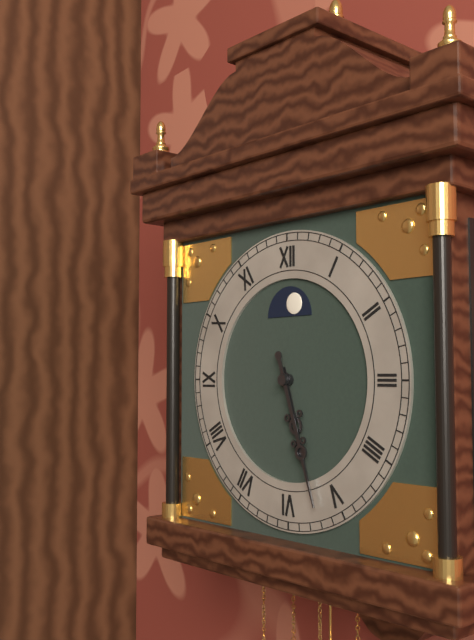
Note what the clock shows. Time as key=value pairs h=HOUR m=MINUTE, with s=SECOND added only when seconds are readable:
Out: h=5 m=27
